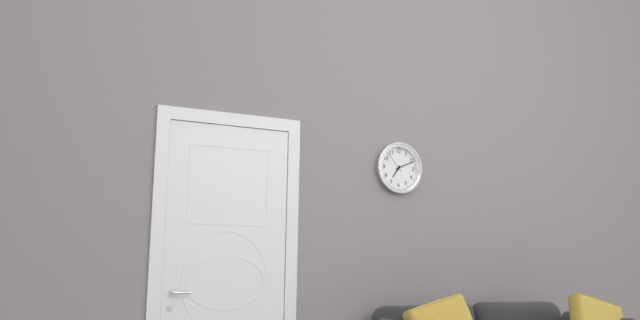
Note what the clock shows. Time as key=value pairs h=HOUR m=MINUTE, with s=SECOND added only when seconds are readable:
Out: h=7 m=11
